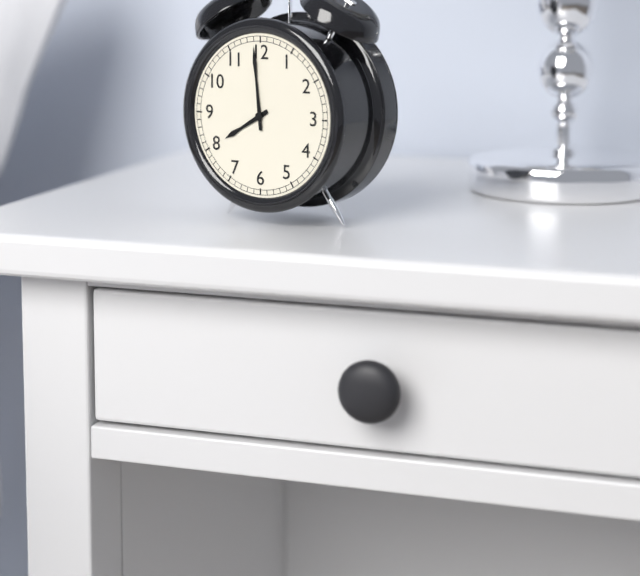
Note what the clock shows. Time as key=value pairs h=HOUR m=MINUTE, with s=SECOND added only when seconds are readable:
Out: h=7 m=59
